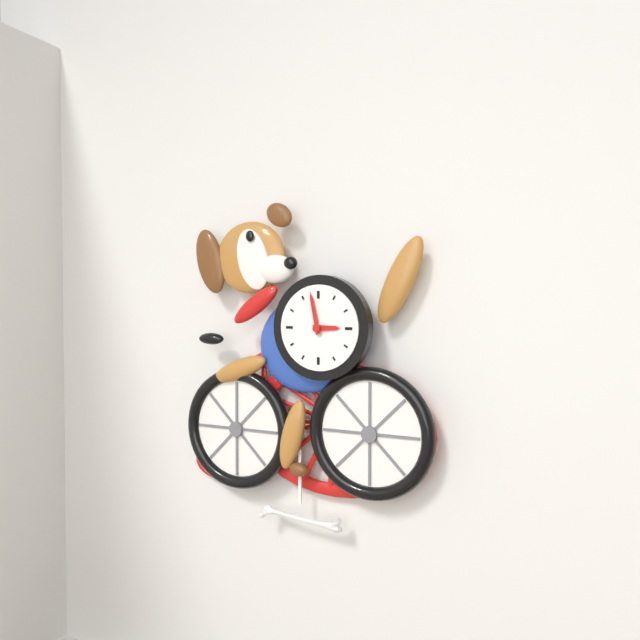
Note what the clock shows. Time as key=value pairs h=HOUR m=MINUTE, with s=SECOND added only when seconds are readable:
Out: h=2 m=58
